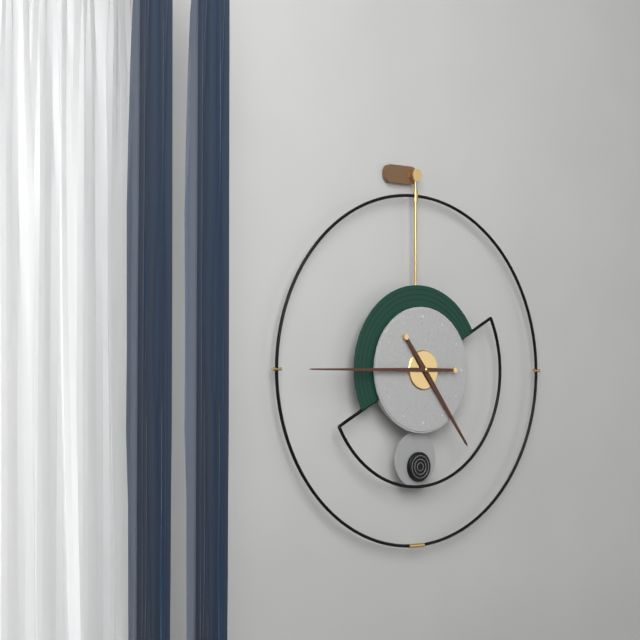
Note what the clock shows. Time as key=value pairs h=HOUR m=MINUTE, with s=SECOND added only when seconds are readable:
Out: h=4 m=45
